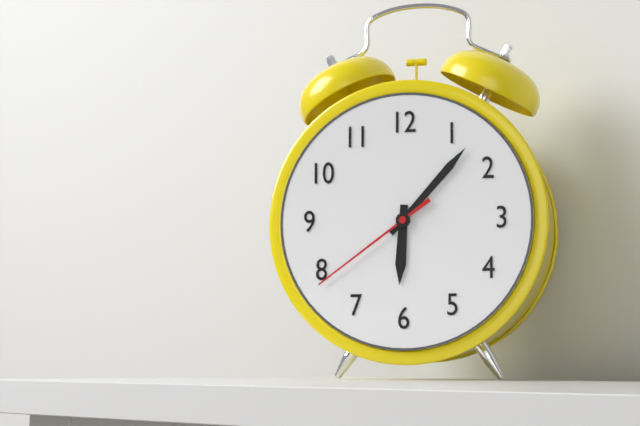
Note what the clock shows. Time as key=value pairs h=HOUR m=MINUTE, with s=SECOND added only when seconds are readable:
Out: h=6 m=7 s=39
